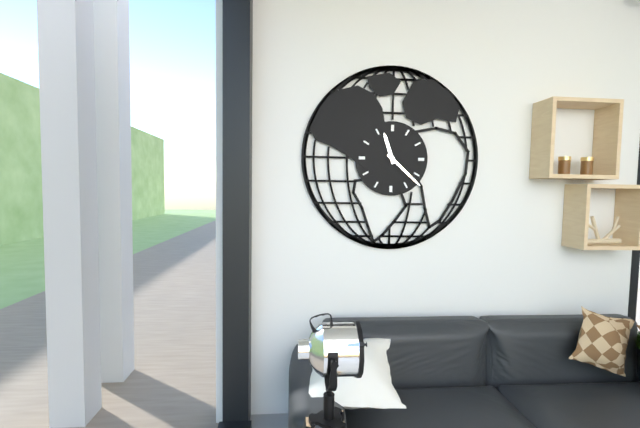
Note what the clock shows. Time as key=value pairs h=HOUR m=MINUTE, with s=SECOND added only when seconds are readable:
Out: h=11 m=22
